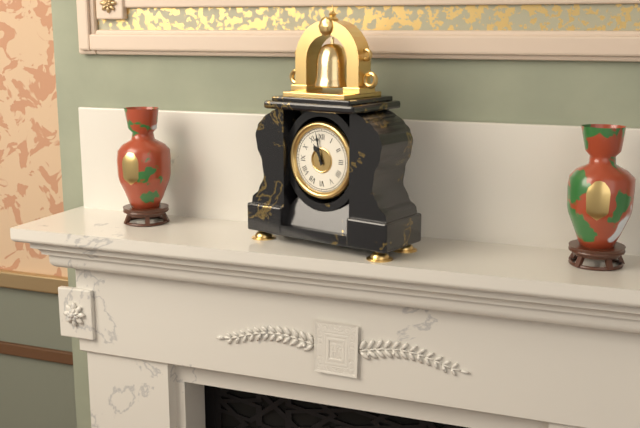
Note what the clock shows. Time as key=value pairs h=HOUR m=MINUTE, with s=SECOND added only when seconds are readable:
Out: h=10 m=58
